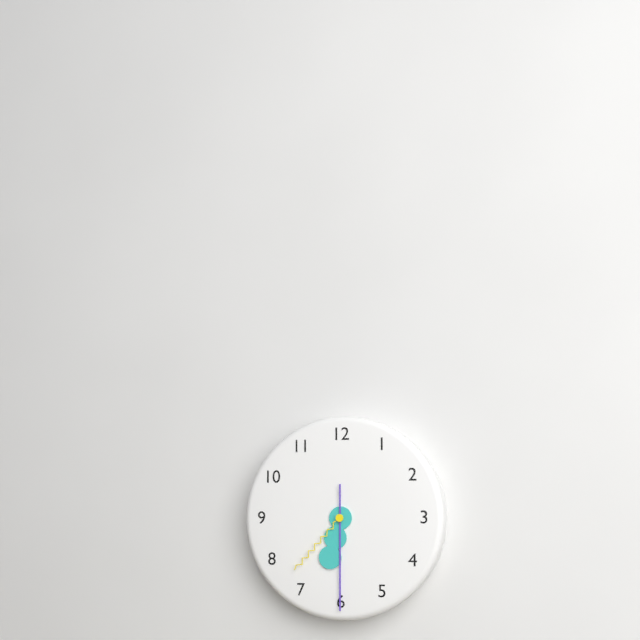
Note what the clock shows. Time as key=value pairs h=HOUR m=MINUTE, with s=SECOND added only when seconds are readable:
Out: h=6 m=30 s=37
